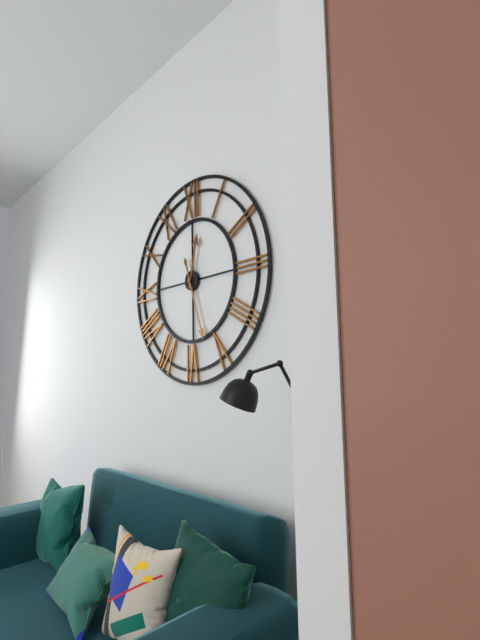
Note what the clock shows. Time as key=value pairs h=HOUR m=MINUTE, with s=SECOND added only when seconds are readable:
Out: h=12 m=27
